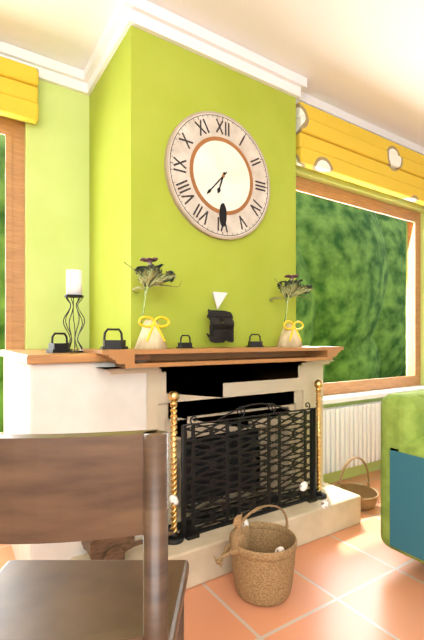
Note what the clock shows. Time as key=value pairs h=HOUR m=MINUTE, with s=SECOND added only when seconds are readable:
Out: h=6 m=37
